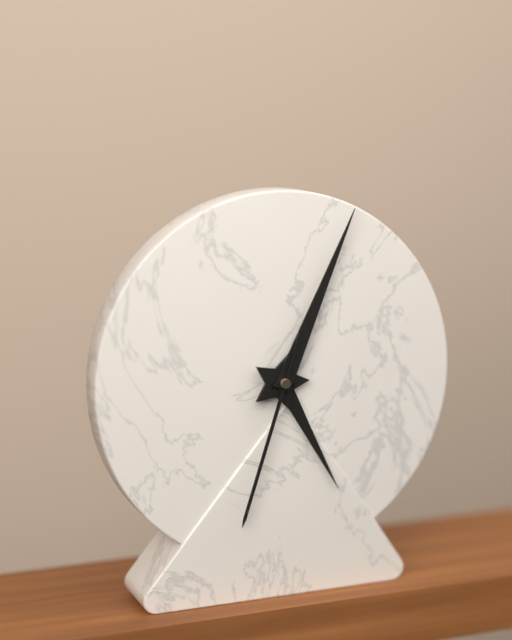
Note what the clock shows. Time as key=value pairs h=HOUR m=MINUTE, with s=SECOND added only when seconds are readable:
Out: h=5 m=4 s=33
